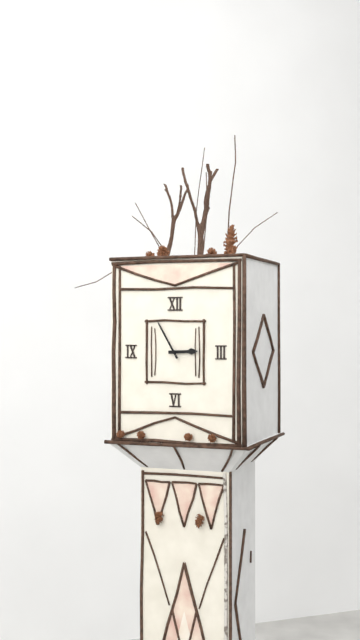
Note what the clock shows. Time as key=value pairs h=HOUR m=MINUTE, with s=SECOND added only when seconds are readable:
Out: h=2 m=55
